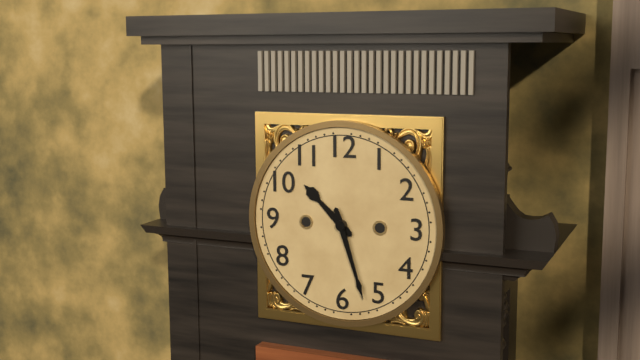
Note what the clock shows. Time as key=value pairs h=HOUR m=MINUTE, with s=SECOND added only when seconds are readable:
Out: h=10 m=27
